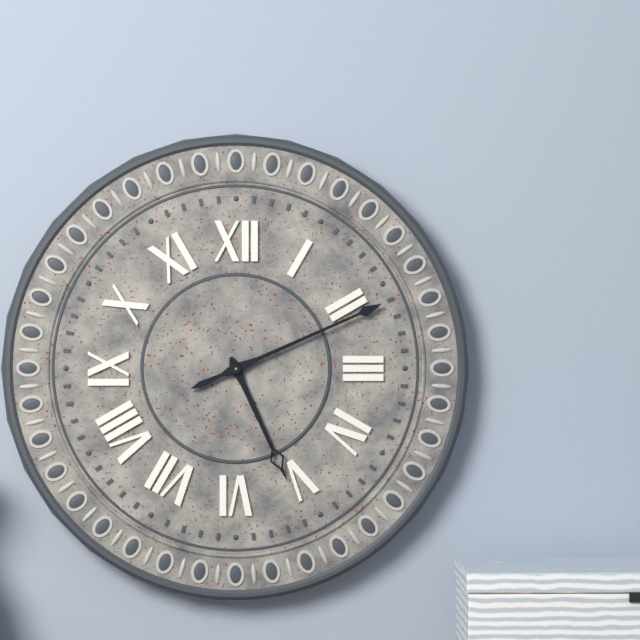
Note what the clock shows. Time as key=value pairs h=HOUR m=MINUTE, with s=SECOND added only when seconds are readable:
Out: h=5 m=11
